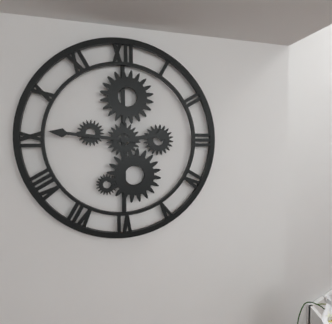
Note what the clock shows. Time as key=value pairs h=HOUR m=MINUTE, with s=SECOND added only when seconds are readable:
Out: h=2 m=46
